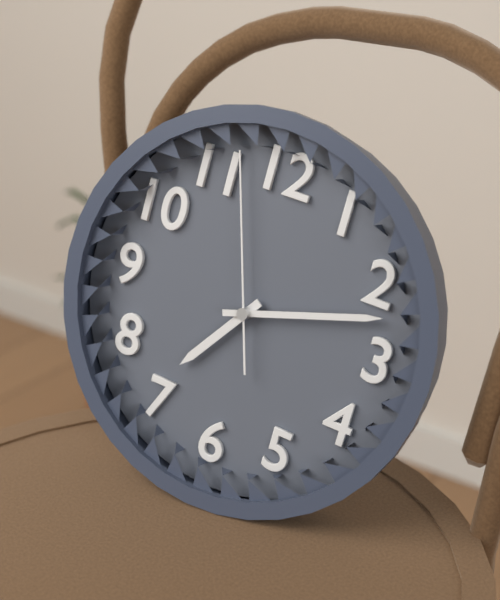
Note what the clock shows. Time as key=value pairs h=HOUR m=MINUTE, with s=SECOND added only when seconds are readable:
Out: h=7 m=12 s=57
